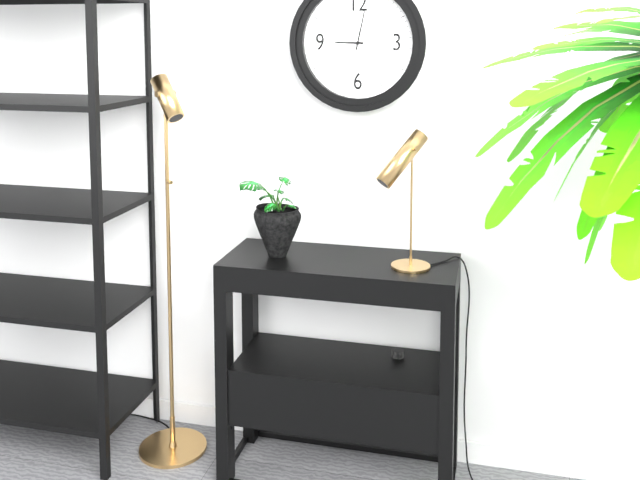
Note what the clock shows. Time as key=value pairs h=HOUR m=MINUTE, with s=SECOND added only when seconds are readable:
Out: h=9 m=2
